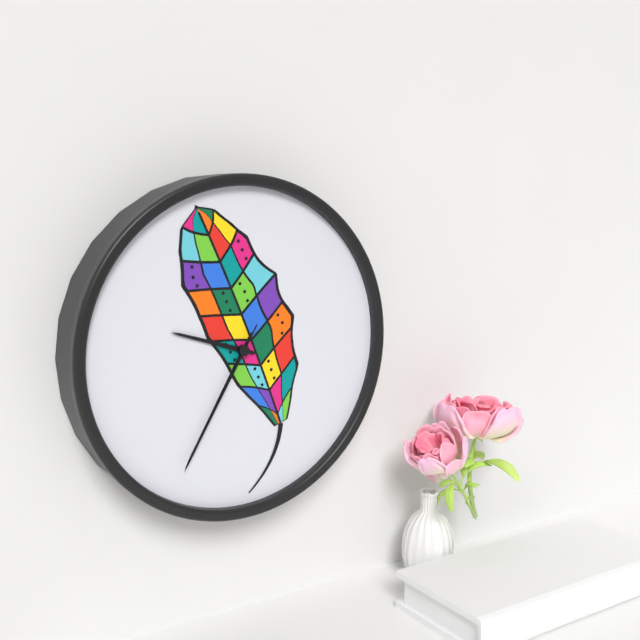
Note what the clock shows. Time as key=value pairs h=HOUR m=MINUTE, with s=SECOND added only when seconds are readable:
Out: h=9 m=35 s=35
